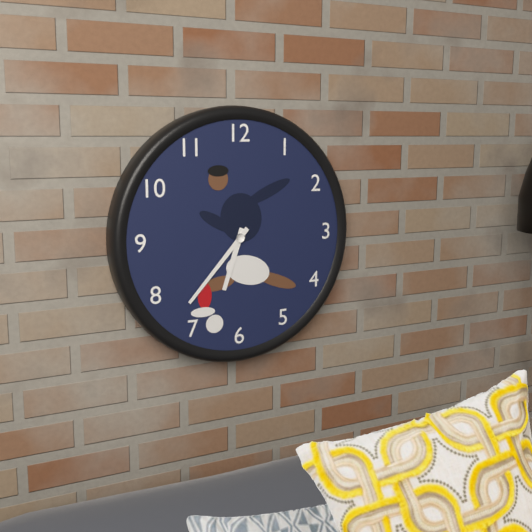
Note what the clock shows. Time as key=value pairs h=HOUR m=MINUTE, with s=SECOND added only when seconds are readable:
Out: h=6 m=37
